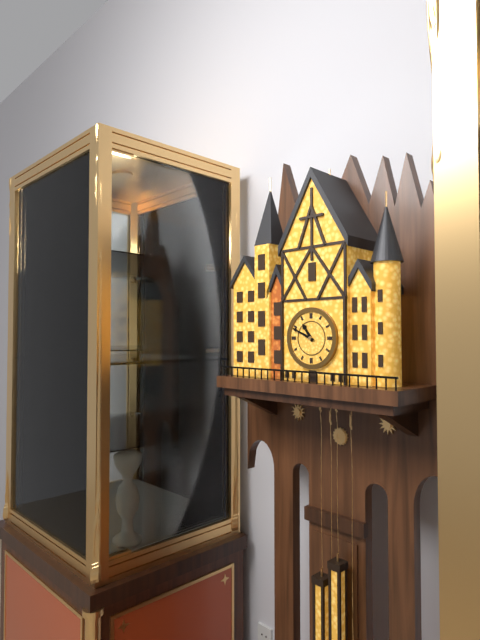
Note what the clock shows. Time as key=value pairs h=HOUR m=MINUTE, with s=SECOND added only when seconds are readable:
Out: h=10 m=49
